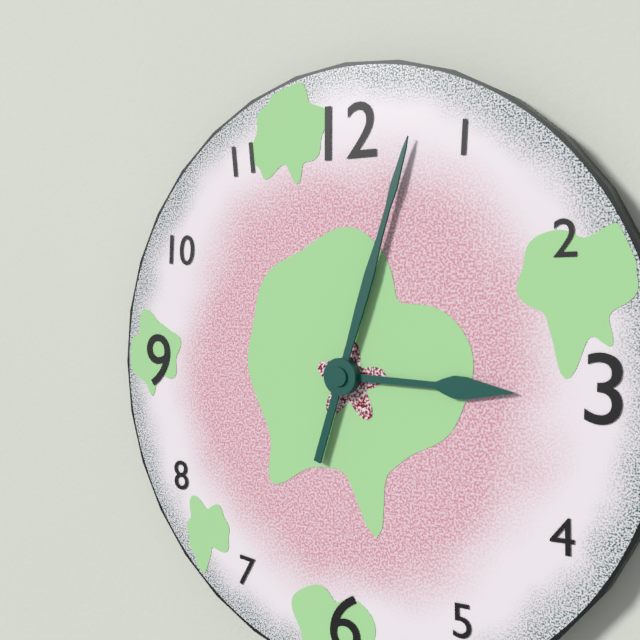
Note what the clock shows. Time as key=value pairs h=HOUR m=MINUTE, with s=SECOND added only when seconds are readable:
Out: h=3 m=3
